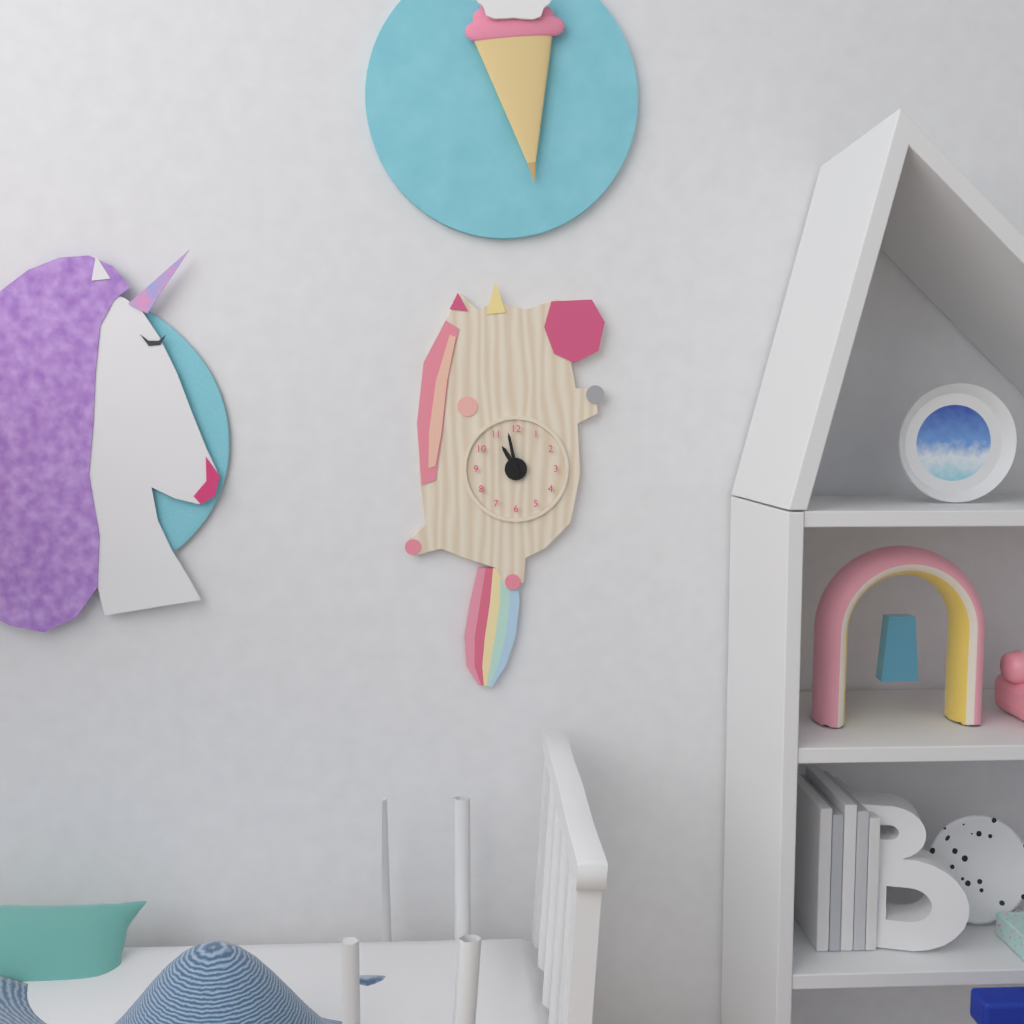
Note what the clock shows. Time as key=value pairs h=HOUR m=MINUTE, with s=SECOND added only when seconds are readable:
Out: h=10 m=58
